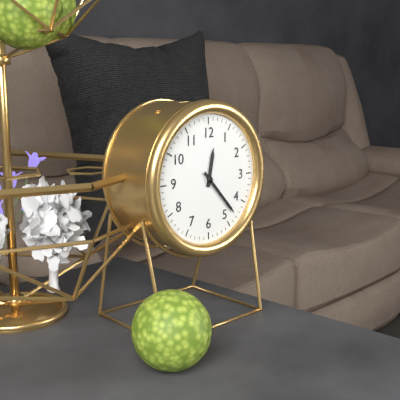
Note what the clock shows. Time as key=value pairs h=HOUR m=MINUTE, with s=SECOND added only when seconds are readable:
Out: h=12 m=23
